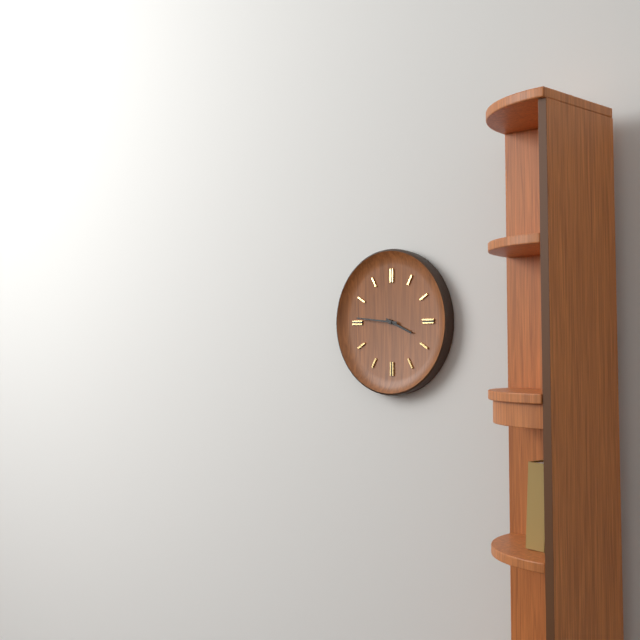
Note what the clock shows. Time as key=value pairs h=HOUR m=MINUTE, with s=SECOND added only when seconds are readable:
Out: h=3 m=46
